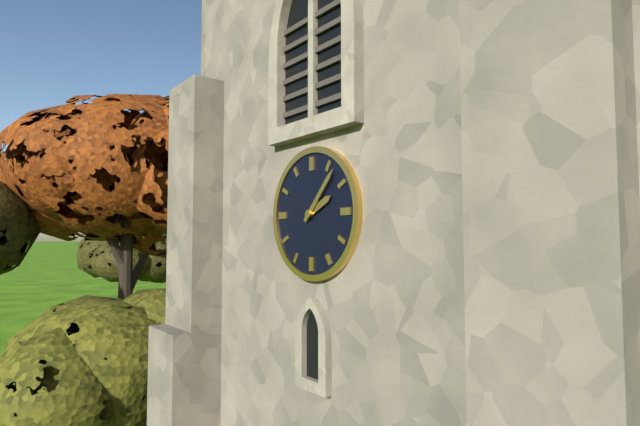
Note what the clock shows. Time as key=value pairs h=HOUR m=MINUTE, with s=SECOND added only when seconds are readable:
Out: h=2 m=7
